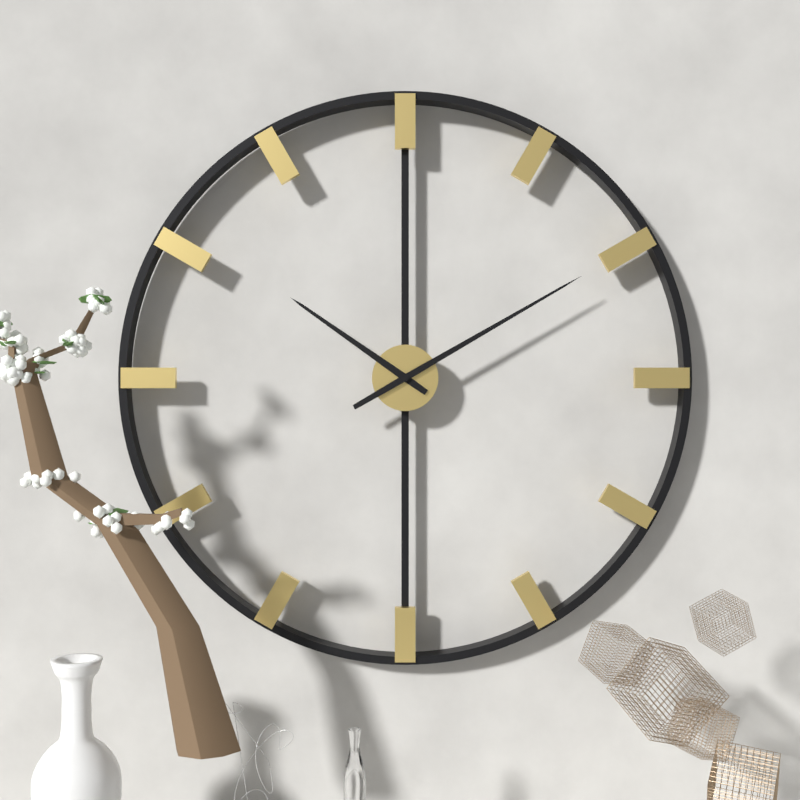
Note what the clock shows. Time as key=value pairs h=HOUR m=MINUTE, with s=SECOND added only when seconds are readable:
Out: h=10 m=10
